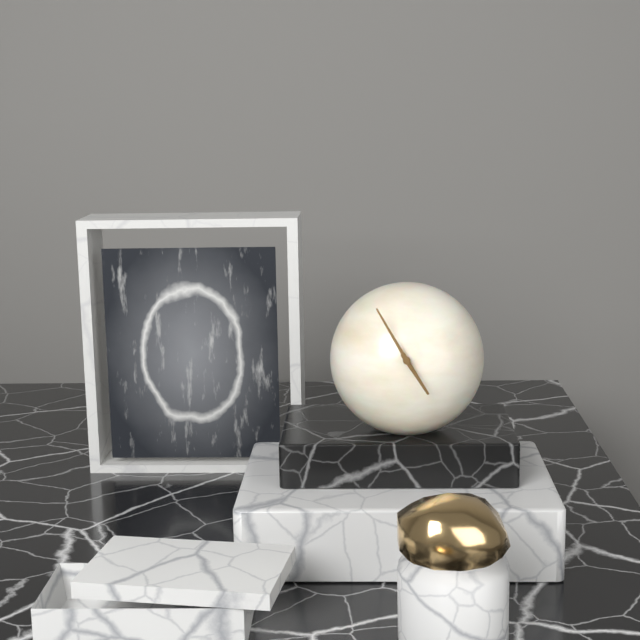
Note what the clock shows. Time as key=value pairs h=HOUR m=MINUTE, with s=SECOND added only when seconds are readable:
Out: h=4 m=55
